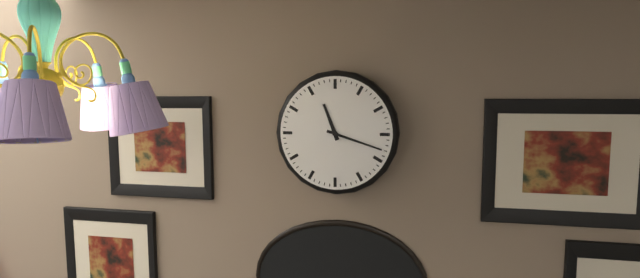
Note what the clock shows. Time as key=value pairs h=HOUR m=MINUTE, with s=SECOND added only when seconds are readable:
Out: h=11 m=18
